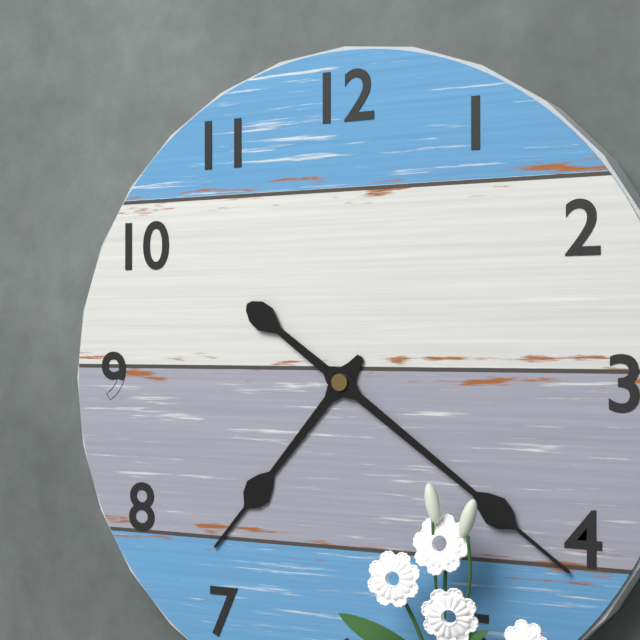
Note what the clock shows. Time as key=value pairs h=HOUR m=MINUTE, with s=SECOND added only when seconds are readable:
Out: h=7 m=21
